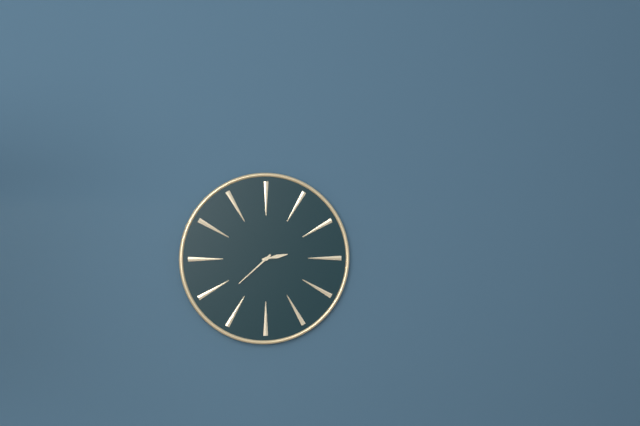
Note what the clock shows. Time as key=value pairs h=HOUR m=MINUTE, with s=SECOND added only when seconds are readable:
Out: h=2 m=38
